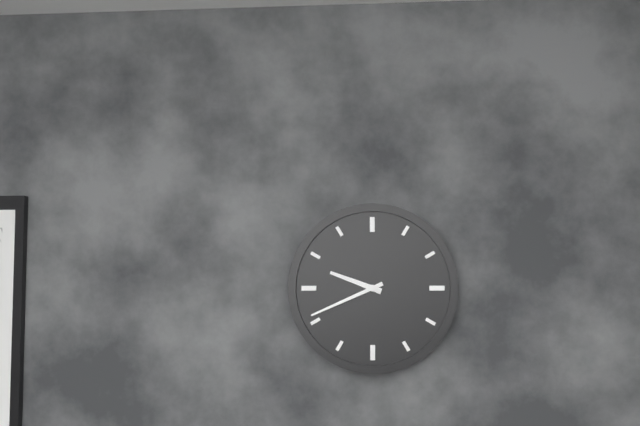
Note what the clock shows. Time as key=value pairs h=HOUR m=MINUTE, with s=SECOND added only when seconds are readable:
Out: h=9 m=41
